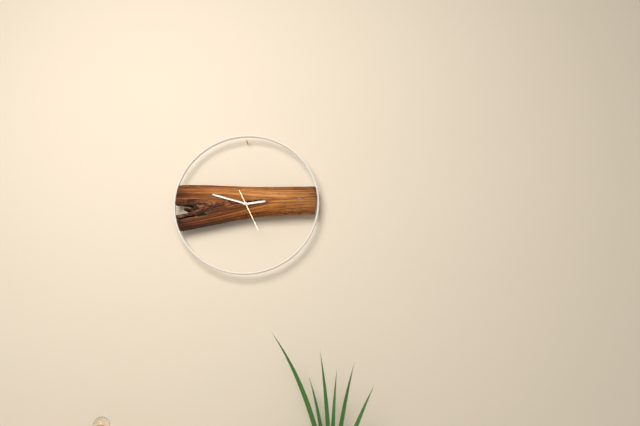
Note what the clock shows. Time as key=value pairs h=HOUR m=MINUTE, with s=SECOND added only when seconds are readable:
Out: h=2 m=48
